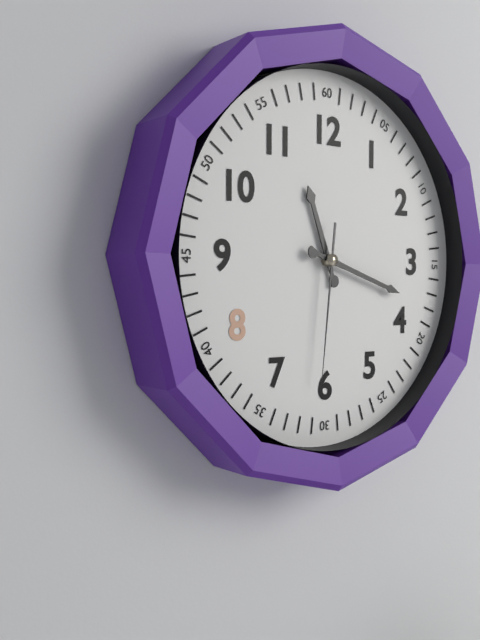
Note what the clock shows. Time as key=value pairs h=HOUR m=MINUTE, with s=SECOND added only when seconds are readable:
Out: h=11 m=18 s=31
